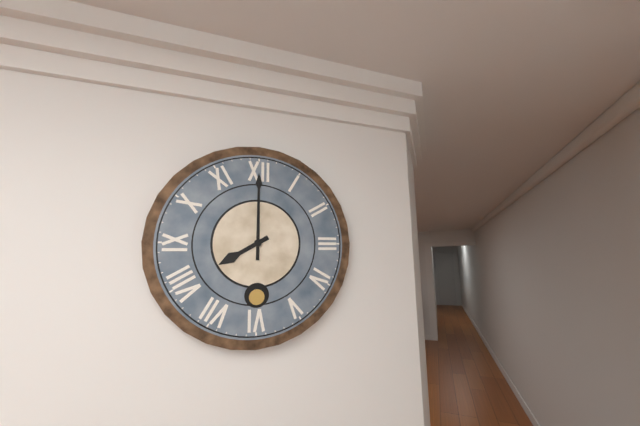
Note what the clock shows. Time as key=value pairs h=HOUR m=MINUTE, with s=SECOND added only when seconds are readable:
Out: h=8 m=0
